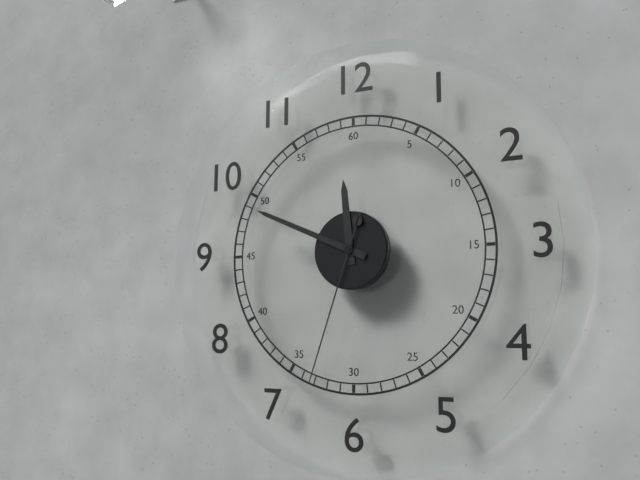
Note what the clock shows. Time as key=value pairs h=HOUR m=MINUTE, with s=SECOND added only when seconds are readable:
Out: h=11 m=49 s=33
